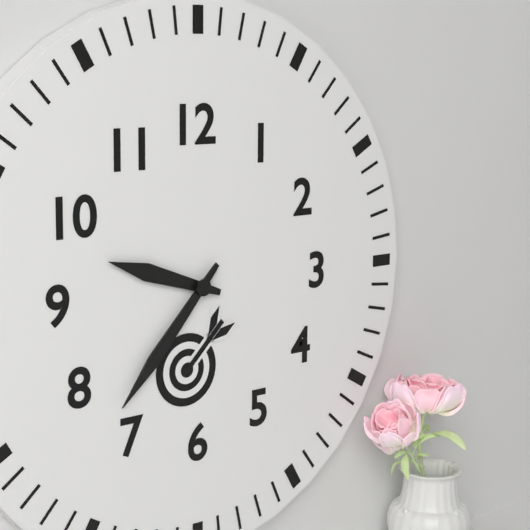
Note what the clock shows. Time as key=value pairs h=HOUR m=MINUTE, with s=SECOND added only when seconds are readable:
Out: h=9 m=37
